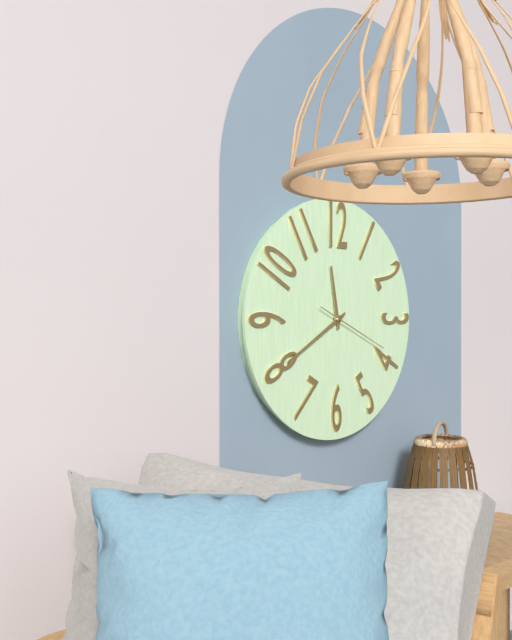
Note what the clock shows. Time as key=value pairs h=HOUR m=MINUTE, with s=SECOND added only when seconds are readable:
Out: h=11 m=40 s=19
